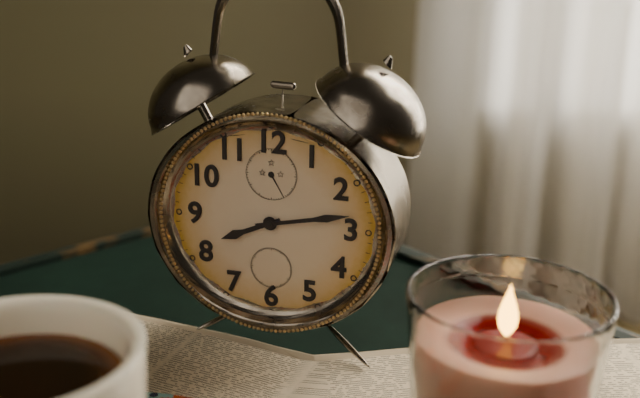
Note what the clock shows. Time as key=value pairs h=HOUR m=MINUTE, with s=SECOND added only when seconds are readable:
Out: h=8 m=13
